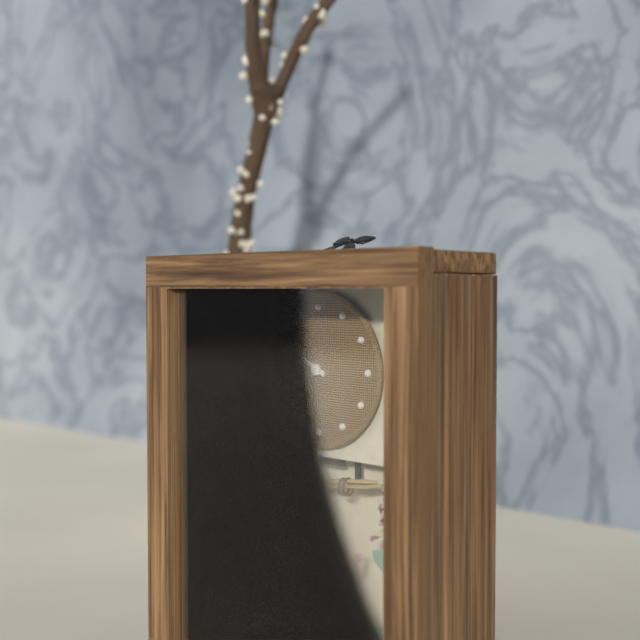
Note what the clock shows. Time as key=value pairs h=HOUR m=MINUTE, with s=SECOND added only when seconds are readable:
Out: h=9 m=50
